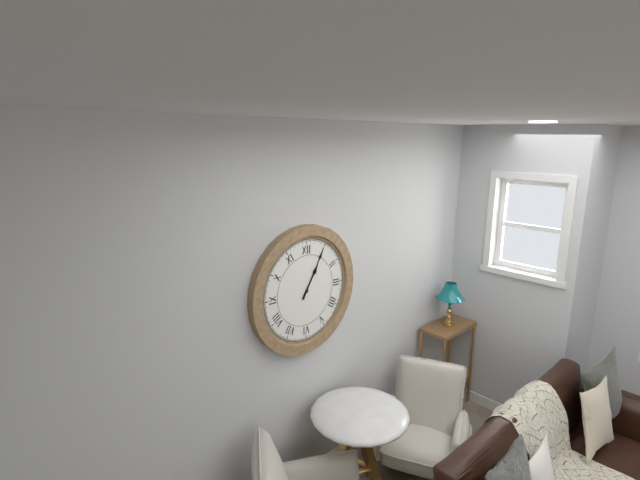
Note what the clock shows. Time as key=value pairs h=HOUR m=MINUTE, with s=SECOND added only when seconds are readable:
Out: h=1 m=5
